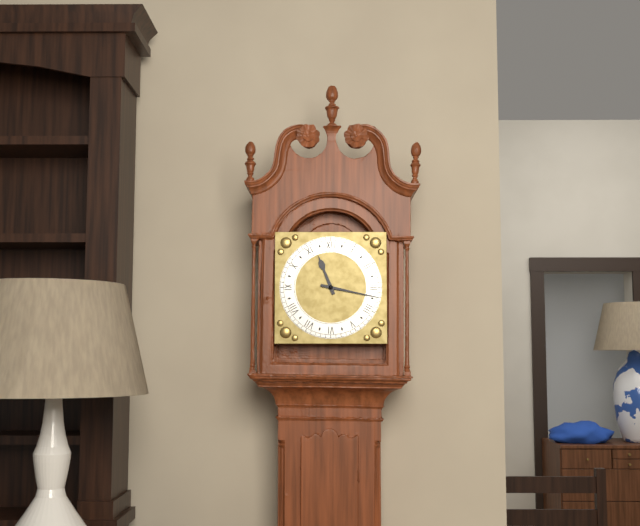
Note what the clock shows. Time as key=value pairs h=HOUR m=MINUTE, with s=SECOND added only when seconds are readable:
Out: h=11 m=17
